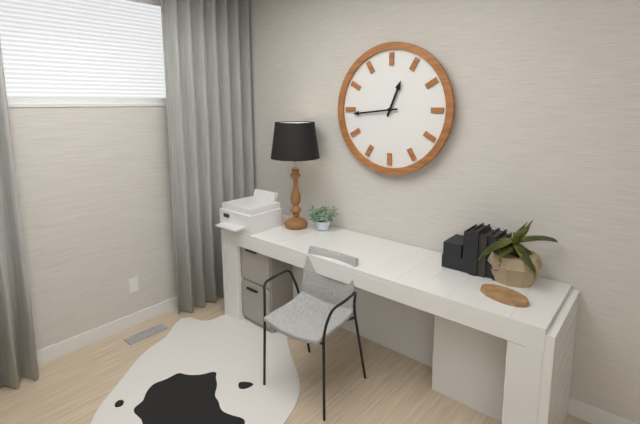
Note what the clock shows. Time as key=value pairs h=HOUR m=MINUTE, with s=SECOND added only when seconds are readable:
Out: h=12 m=44
